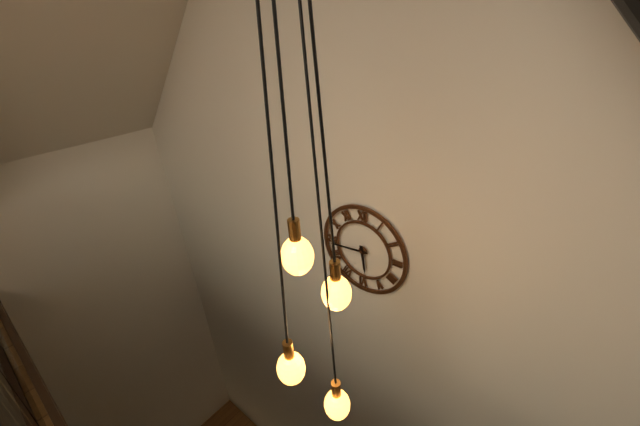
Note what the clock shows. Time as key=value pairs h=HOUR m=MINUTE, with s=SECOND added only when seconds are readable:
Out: h=5 m=44
